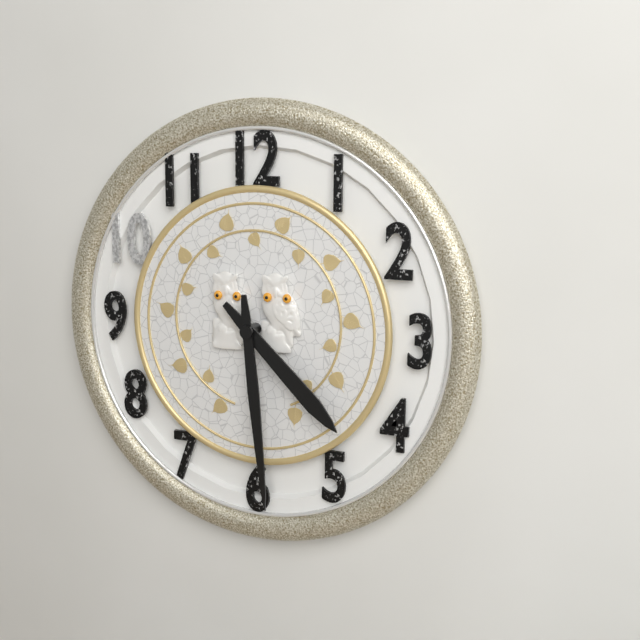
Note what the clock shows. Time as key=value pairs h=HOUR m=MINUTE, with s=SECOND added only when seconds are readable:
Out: h=4 m=29
